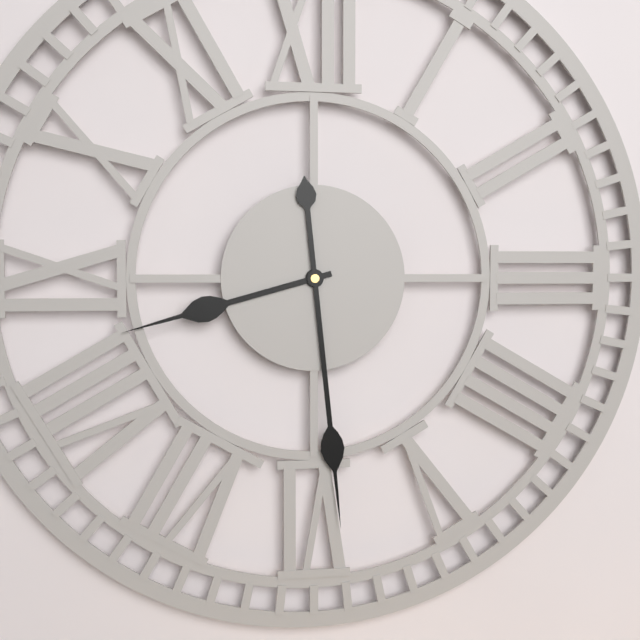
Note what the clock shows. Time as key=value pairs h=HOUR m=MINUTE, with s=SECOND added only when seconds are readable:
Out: h=8 m=29
